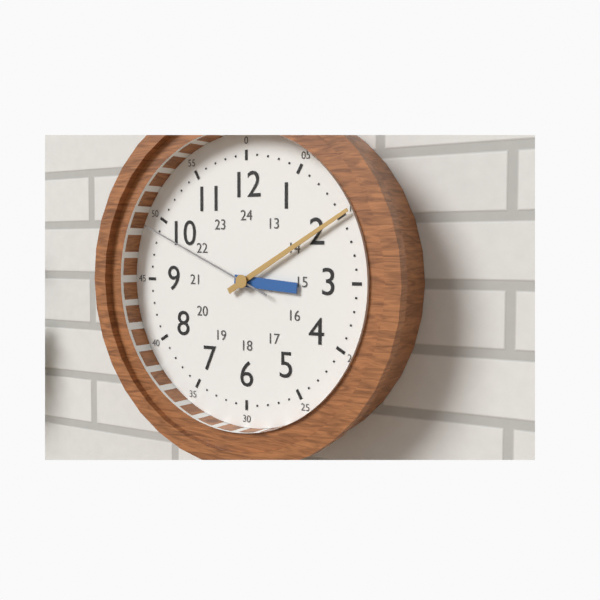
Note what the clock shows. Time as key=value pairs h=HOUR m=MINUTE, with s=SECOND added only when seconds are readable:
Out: h=3 m=10 s=49
